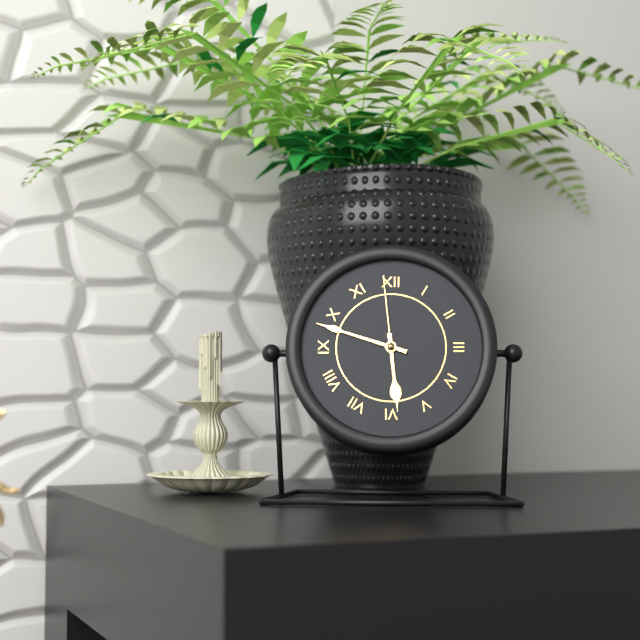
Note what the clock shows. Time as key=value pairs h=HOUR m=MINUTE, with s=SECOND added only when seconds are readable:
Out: h=5 m=48 s=59
